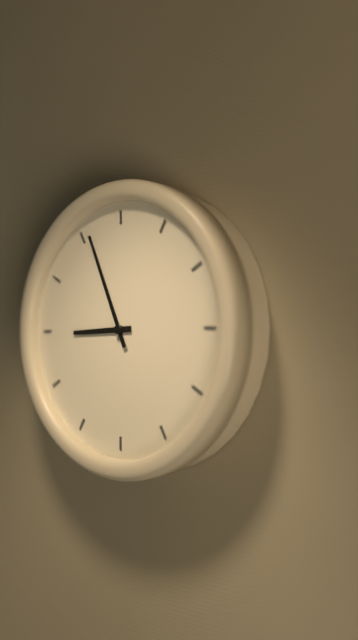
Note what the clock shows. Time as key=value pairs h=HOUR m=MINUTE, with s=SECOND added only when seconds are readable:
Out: h=8 m=56
